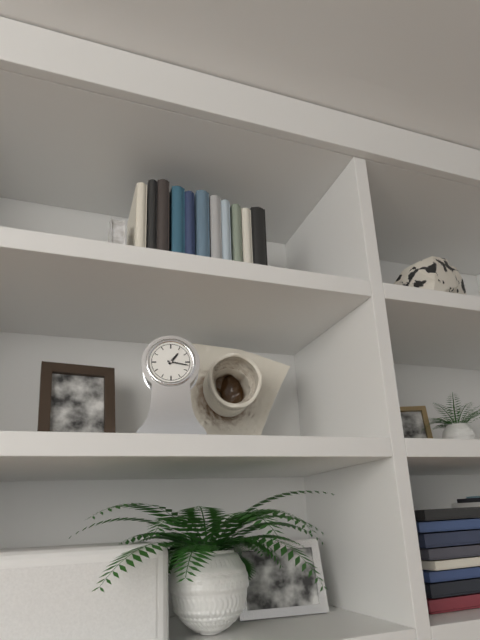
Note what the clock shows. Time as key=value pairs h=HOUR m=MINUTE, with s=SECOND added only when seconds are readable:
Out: h=1 m=17
